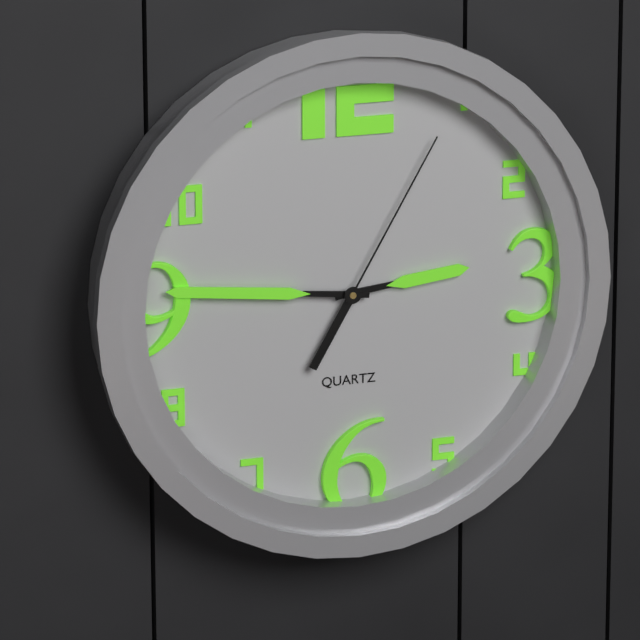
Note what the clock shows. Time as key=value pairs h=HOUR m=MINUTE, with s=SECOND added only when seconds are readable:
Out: h=2 m=46 s=5
